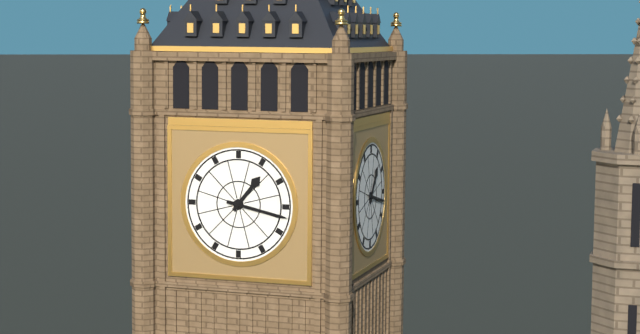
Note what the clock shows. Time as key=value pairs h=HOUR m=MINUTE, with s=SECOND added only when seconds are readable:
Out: h=1 m=17
